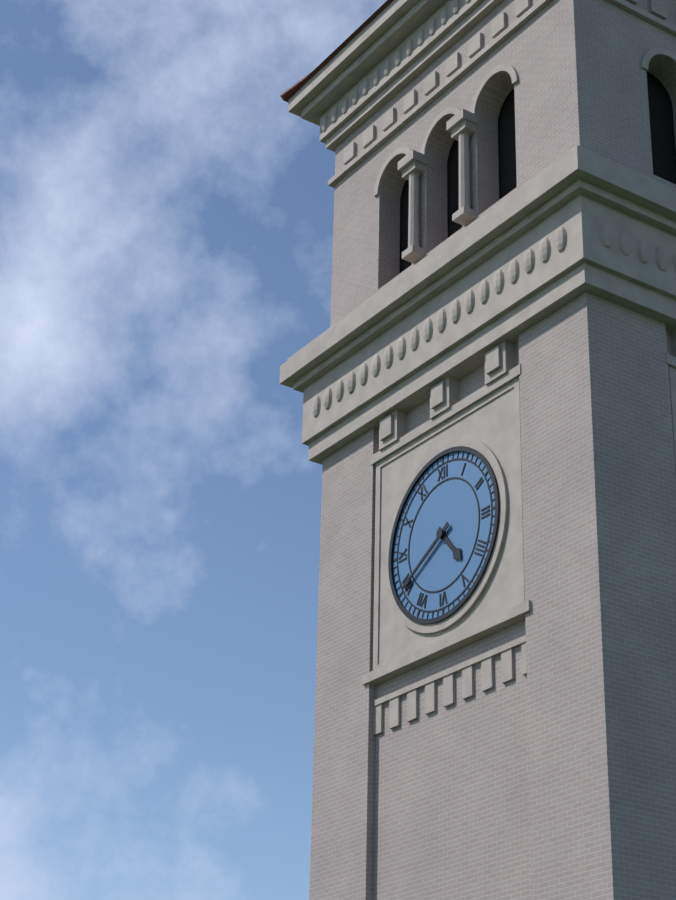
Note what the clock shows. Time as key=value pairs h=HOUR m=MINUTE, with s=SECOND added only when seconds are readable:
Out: h=4 m=40
